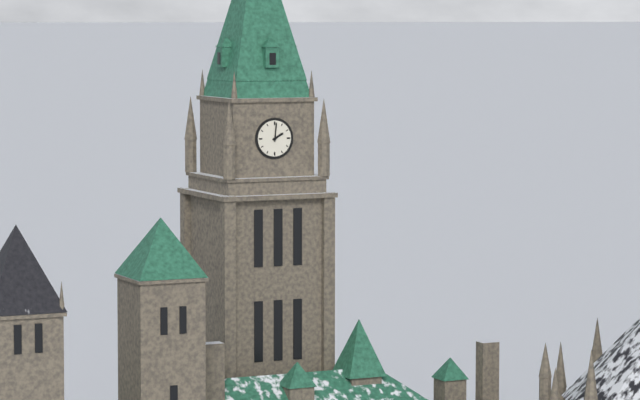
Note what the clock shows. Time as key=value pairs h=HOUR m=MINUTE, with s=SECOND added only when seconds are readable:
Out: h=2 m=1
